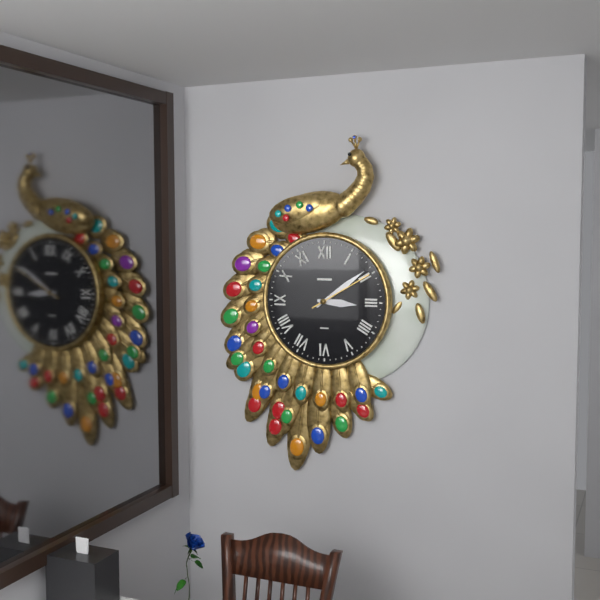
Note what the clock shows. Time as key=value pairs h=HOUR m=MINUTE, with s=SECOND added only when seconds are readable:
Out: h=3 m=9 s=10
